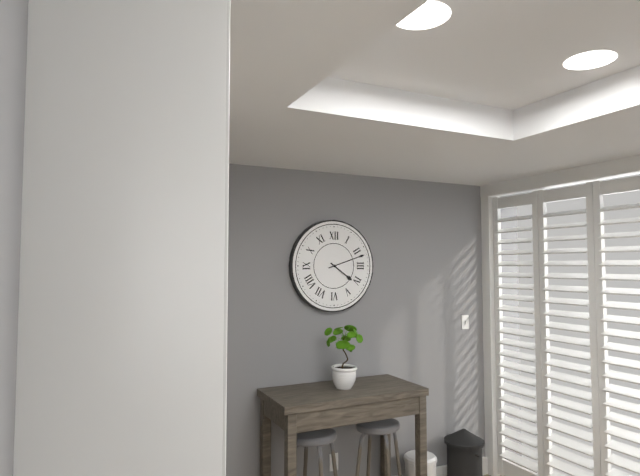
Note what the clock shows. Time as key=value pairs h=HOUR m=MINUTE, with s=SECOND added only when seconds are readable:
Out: h=4 m=12
